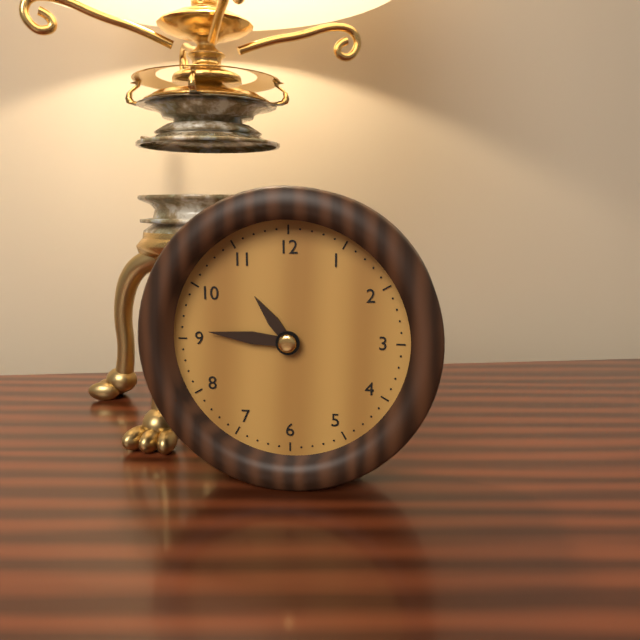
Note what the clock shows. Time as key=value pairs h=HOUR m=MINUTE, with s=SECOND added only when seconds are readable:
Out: h=10 m=46
